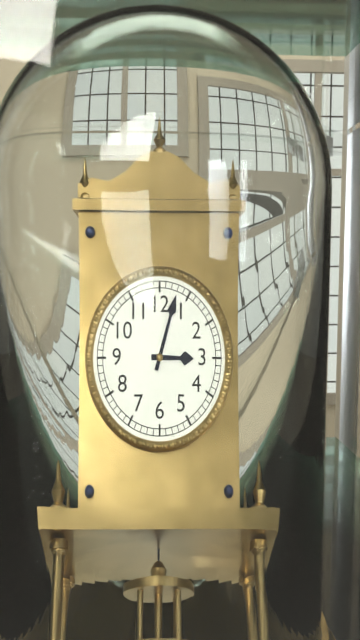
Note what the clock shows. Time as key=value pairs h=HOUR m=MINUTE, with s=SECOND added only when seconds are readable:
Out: h=3 m=3
